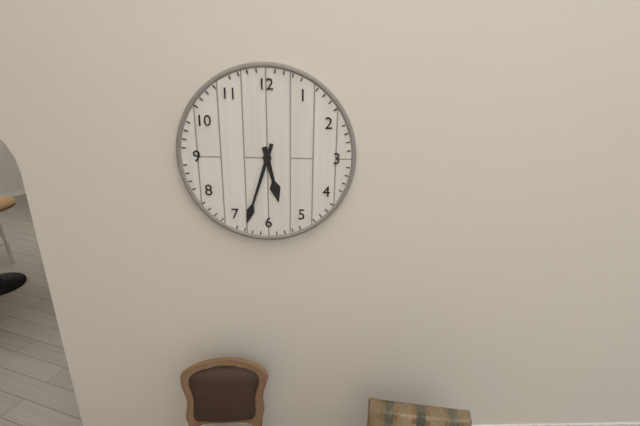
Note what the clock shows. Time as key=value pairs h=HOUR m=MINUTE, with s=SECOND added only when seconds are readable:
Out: h=5 m=33
